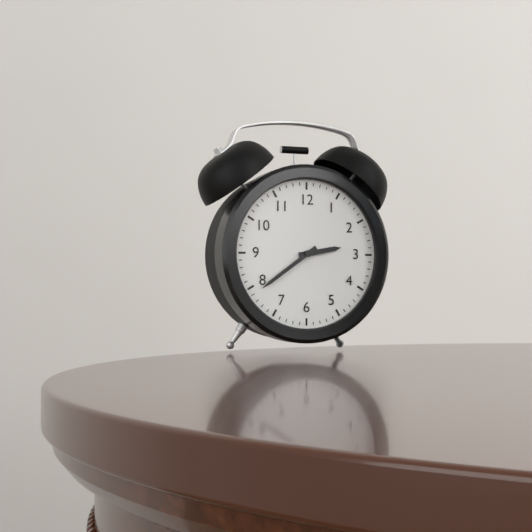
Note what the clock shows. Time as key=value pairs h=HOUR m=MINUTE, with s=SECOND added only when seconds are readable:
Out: h=2 m=39
